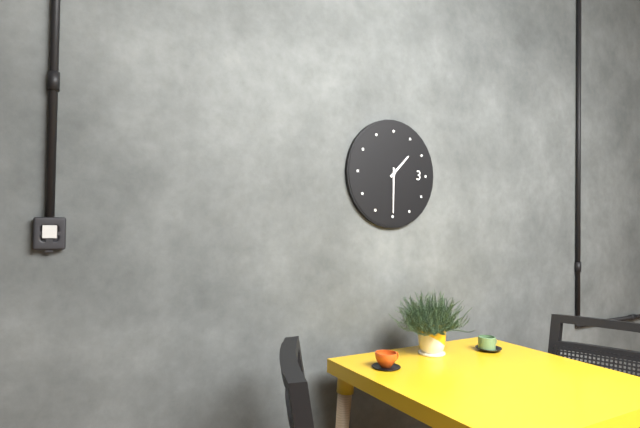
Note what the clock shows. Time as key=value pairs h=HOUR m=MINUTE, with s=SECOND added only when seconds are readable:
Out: h=1 m=30
